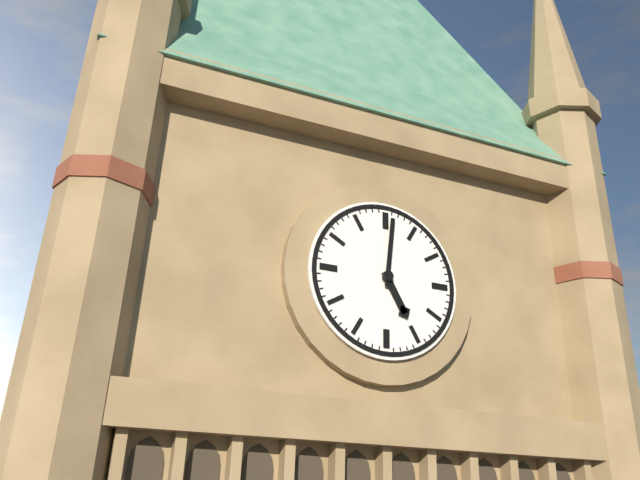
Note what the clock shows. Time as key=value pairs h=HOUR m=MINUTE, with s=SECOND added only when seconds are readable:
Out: h=5 m=1
